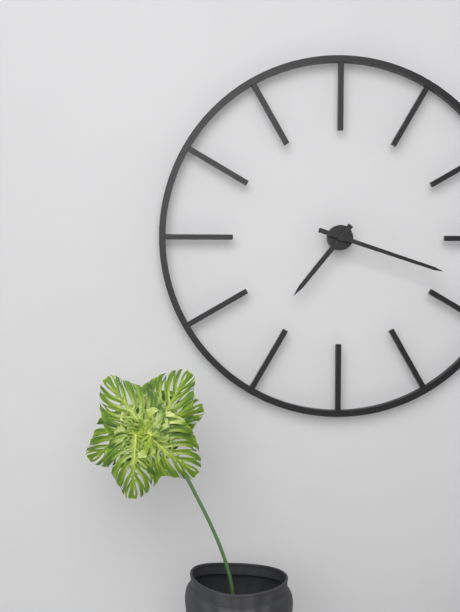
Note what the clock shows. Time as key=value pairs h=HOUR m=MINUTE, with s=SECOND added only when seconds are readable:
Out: h=7 m=18
